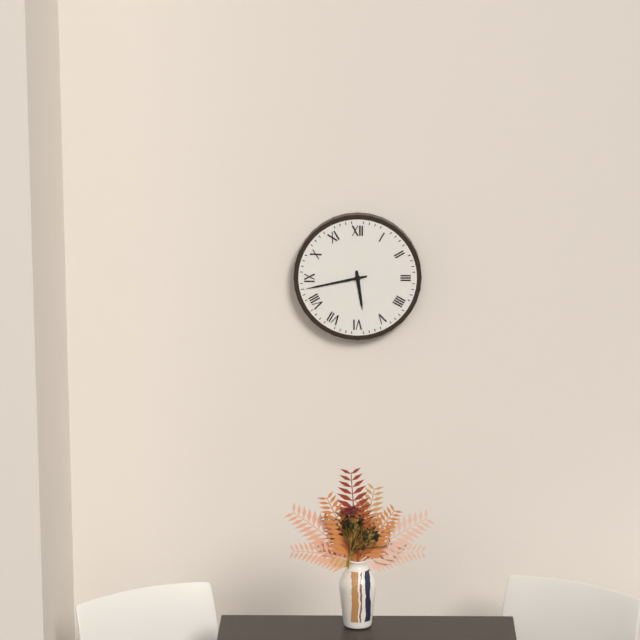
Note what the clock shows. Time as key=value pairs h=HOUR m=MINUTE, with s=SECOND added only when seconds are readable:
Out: h=5 m=43
